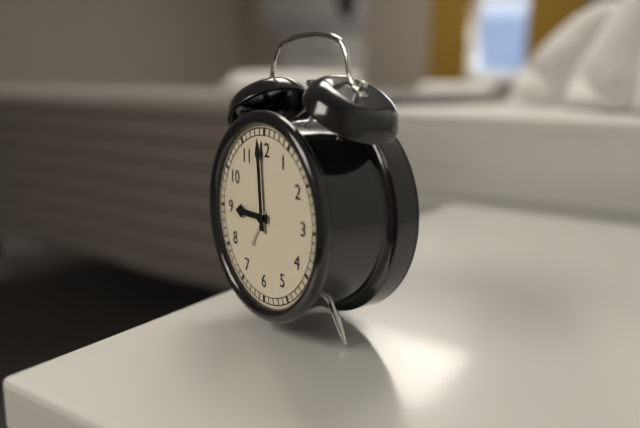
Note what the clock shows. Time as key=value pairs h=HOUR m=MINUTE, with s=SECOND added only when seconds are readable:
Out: h=8 m=59
